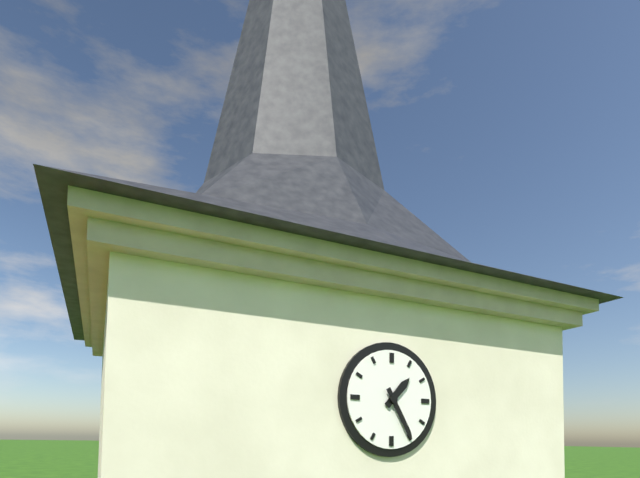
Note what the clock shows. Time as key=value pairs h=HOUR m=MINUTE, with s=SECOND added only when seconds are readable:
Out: h=1 m=25
